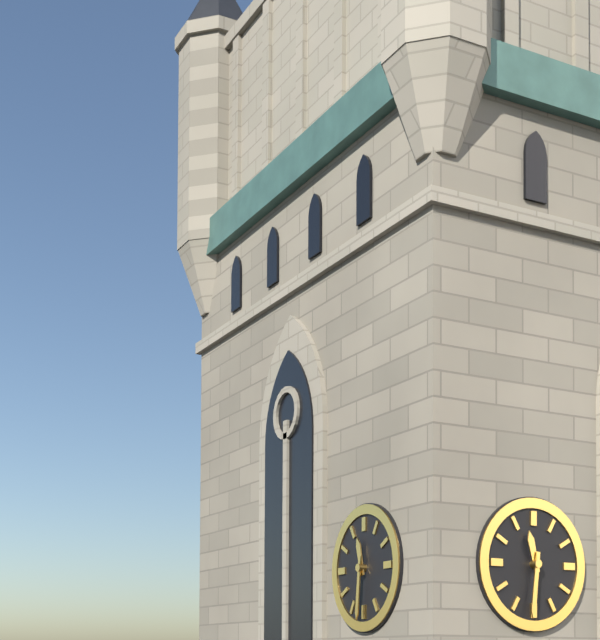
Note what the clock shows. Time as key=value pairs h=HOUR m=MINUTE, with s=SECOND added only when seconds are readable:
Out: h=11 m=31
